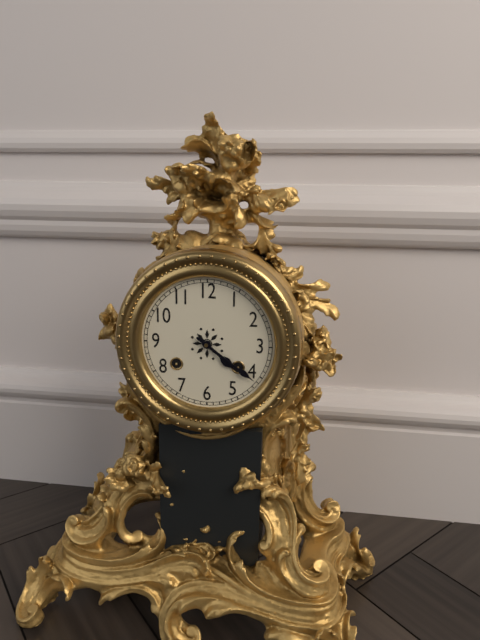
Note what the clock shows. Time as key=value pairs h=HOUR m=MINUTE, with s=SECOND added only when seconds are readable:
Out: h=4 m=21
